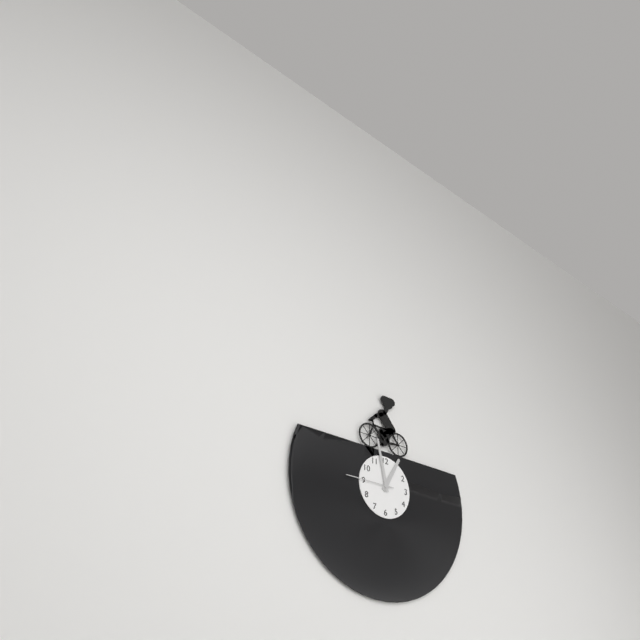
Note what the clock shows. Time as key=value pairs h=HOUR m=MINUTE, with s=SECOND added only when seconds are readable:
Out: h=12 m=58
